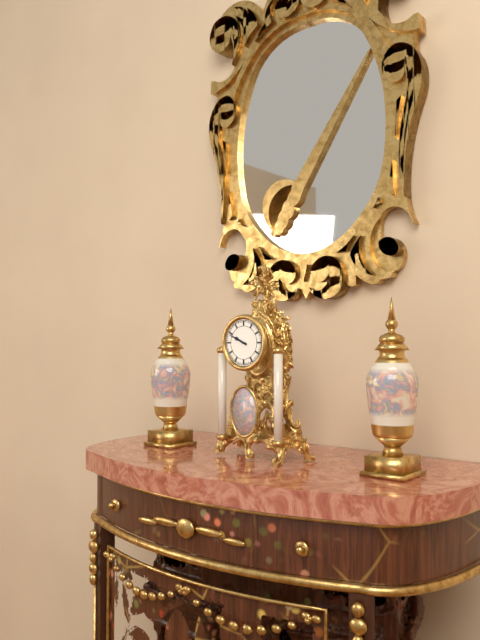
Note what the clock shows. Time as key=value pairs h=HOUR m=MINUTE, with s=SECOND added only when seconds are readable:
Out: h=9 m=49
